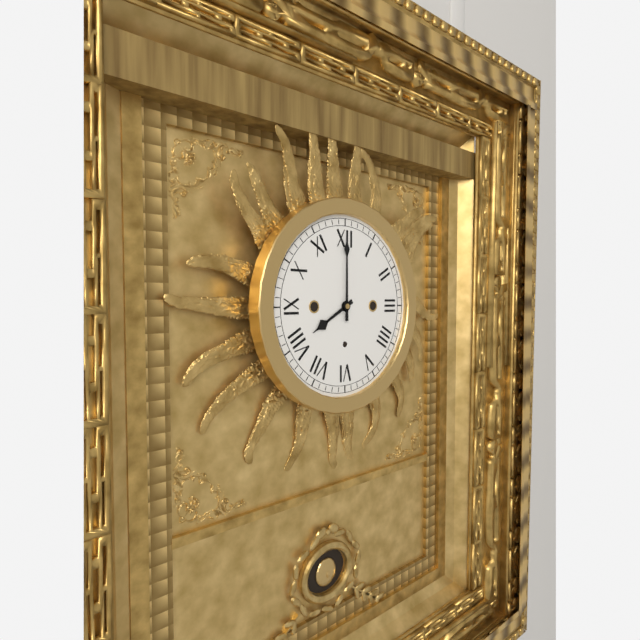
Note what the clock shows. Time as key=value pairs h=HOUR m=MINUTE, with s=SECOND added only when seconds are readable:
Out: h=8 m=0
